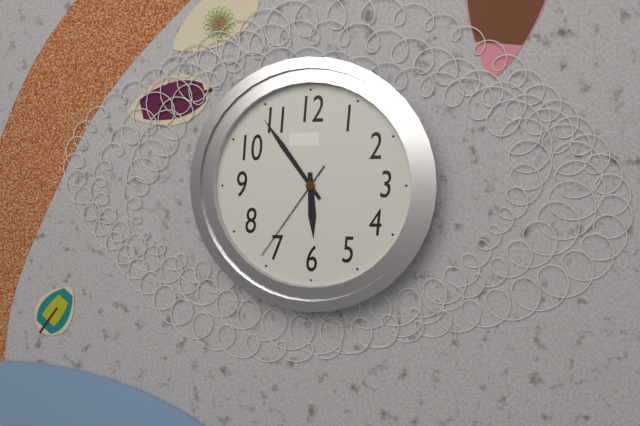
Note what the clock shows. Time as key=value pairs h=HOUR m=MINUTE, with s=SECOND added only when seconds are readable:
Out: h=5 m=54 s=36
